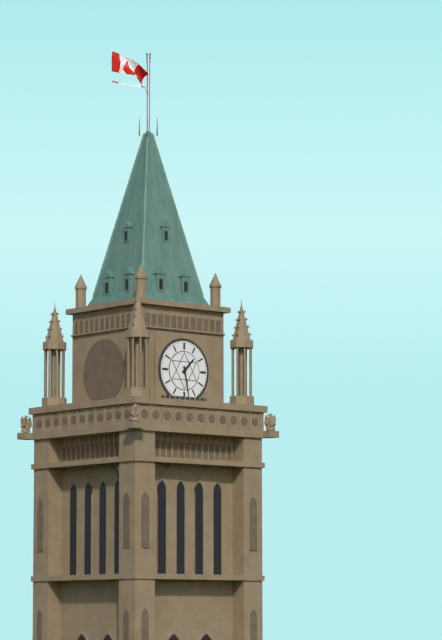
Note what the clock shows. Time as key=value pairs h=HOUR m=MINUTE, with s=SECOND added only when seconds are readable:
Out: h=1 m=28
